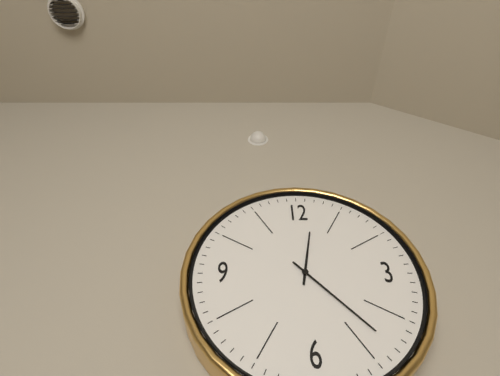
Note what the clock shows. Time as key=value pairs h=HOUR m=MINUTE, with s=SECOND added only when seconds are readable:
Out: h=12 m=23
